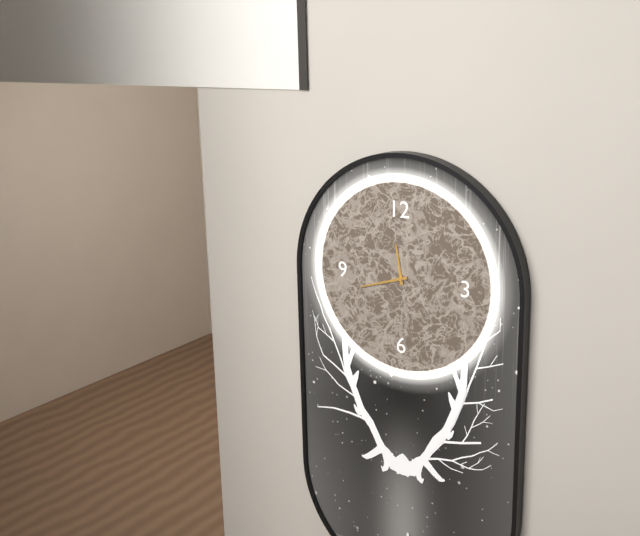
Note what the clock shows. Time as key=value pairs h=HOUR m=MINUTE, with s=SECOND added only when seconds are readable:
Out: h=11 m=42
